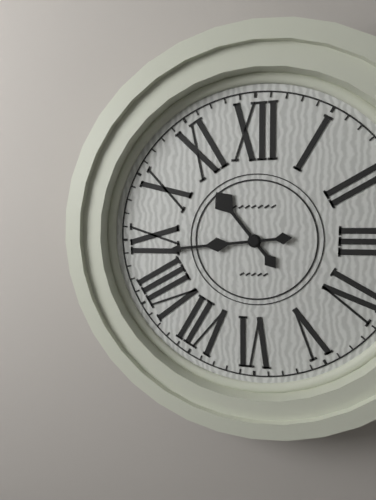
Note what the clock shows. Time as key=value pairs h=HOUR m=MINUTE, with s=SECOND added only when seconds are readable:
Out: h=10 m=44
